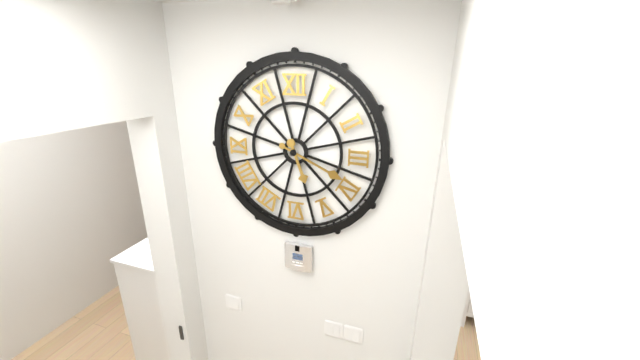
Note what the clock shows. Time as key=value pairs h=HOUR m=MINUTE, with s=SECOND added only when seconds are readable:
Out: h=5 m=19
